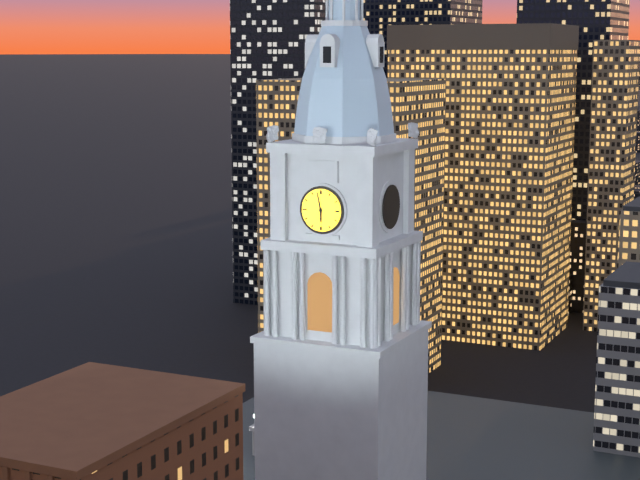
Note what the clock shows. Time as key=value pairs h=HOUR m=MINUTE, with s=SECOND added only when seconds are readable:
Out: h=5 m=58
